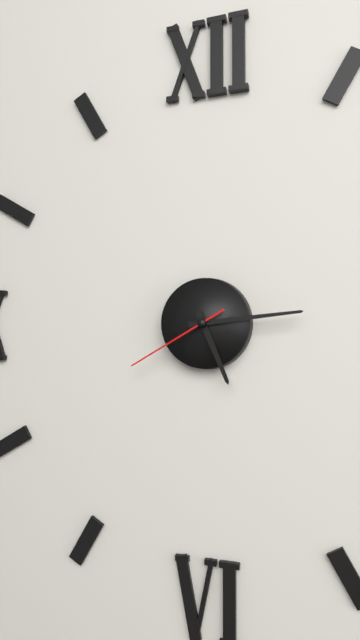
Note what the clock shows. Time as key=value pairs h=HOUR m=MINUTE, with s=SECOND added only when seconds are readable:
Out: h=5 m=14 s=40
